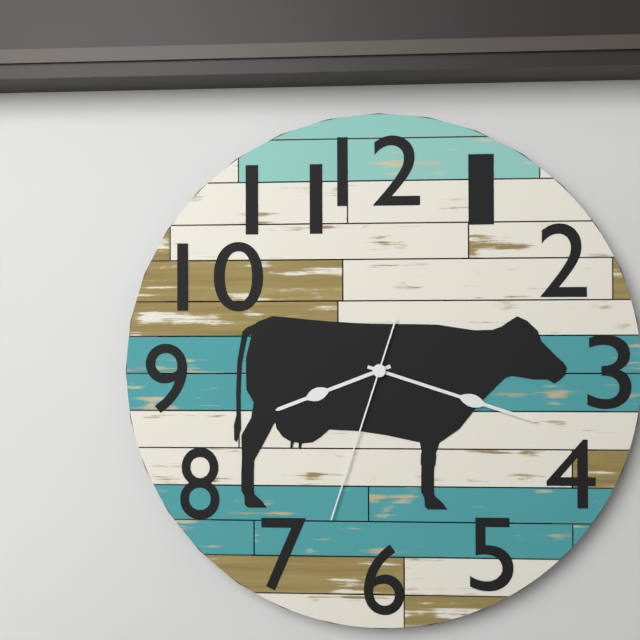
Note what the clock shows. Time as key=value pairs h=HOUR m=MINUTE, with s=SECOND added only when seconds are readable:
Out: h=8 m=18 s=33
